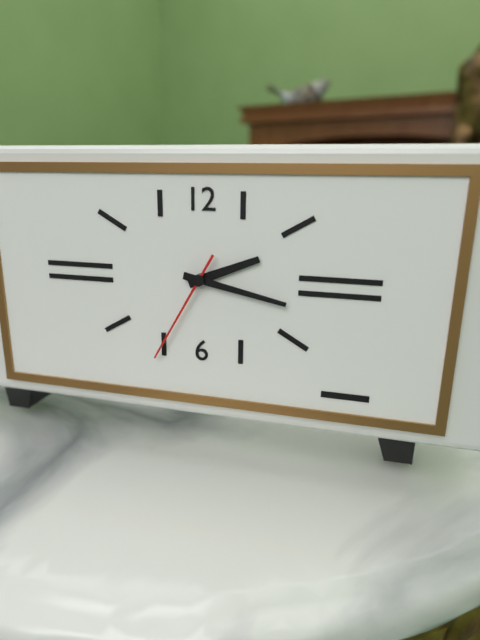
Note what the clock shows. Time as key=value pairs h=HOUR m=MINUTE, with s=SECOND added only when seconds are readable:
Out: h=2 m=17 s=35
